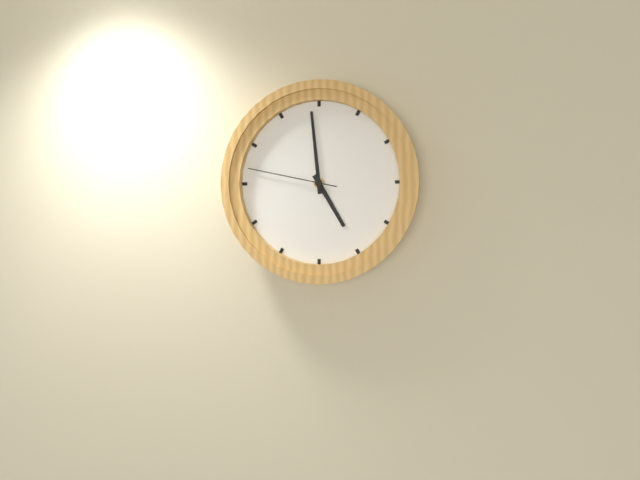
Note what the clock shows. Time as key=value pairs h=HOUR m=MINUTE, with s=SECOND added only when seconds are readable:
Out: h=4 m=59 s=47
